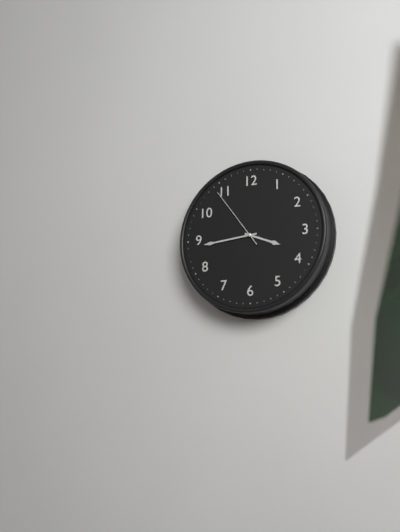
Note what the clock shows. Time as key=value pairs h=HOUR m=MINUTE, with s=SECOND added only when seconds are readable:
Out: h=3 m=44 s=54
